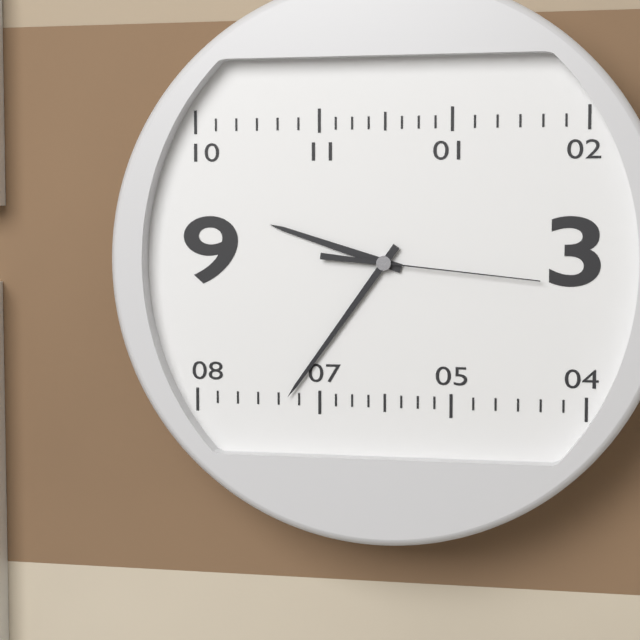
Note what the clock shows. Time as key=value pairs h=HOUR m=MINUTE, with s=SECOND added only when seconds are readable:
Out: h=9 m=36 s=16
